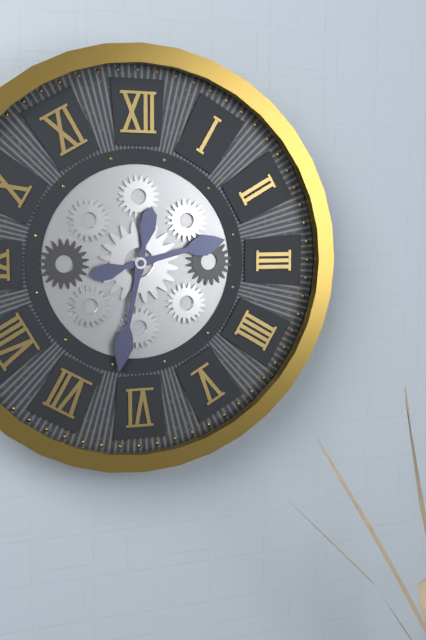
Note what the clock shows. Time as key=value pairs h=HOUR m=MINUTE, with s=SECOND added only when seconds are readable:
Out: h=2 m=32
